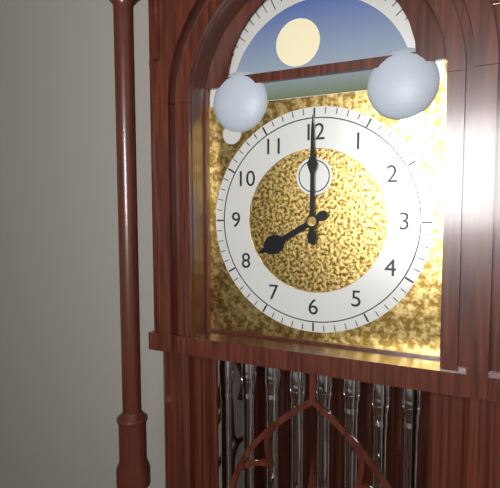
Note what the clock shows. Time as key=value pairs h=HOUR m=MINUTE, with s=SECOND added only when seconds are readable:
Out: h=8 m=0
